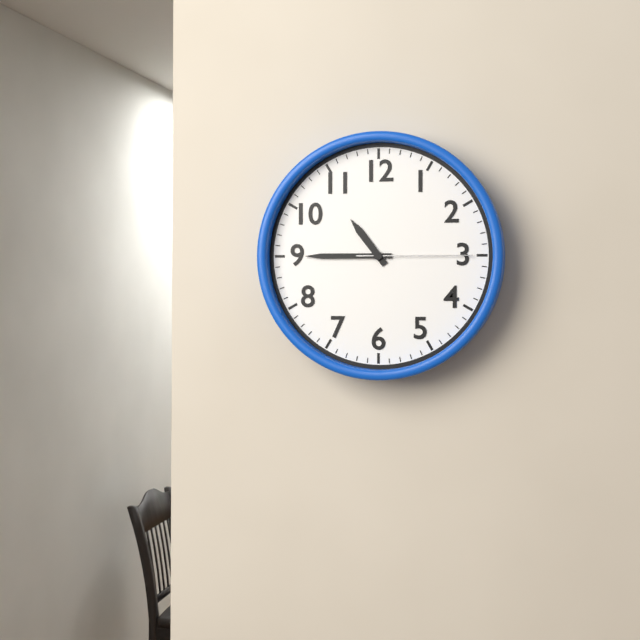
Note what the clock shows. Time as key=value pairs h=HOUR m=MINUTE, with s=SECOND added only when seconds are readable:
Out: h=10 m=45 s=15
